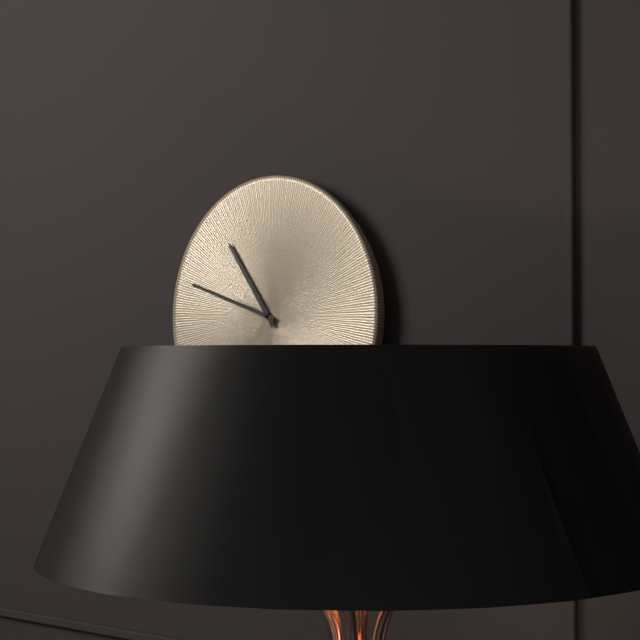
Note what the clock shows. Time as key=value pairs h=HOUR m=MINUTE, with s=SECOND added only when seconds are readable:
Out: h=10 m=48
